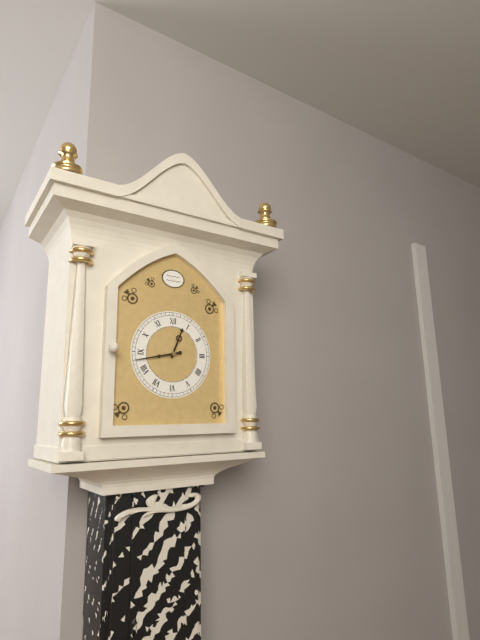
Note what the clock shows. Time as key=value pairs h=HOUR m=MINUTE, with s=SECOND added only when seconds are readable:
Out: h=12 m=43
